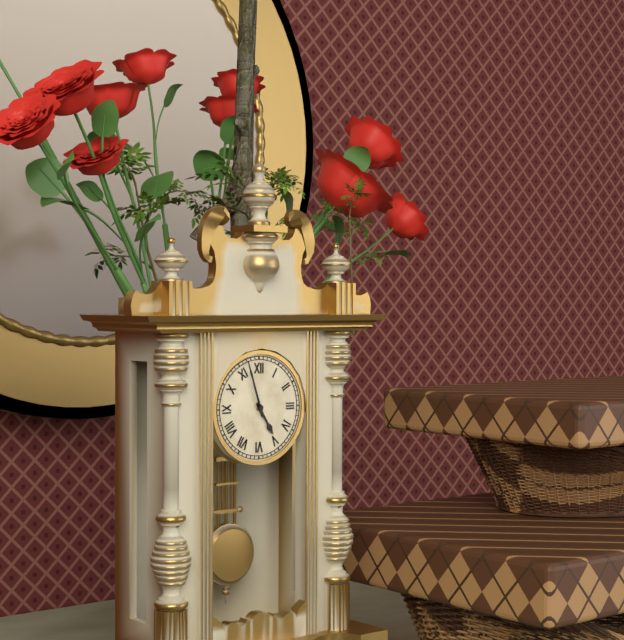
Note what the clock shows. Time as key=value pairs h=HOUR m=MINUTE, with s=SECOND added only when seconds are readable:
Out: h=4 m=57
